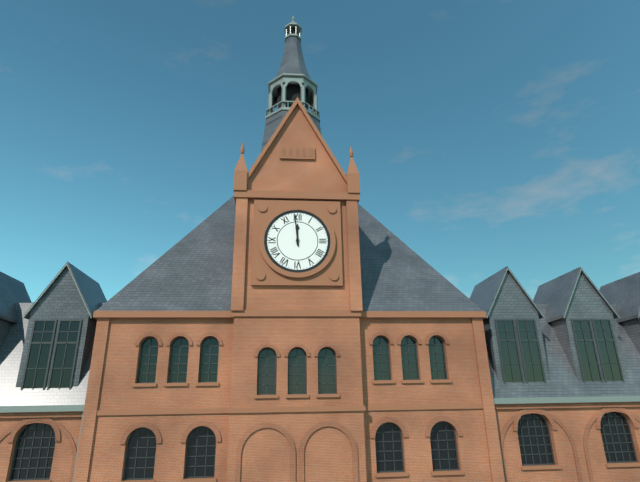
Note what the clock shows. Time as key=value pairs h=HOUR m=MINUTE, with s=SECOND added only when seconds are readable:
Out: h=11 m=59
